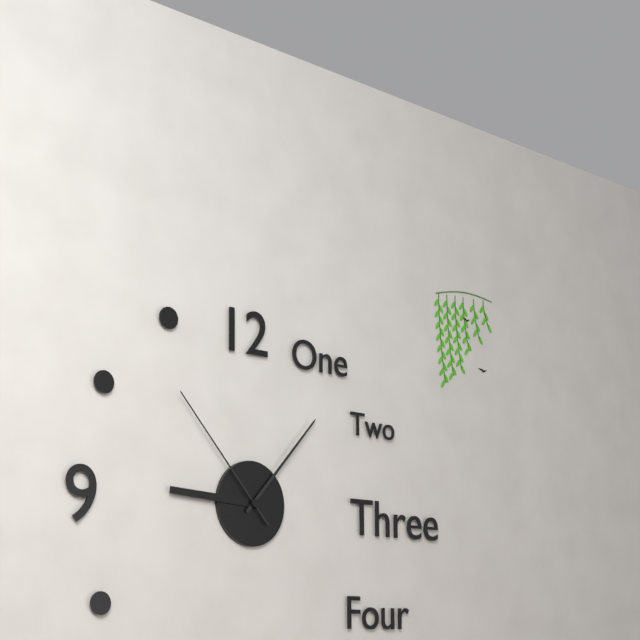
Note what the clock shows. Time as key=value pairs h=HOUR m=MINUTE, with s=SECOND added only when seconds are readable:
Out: h=9 m=7 s=53
